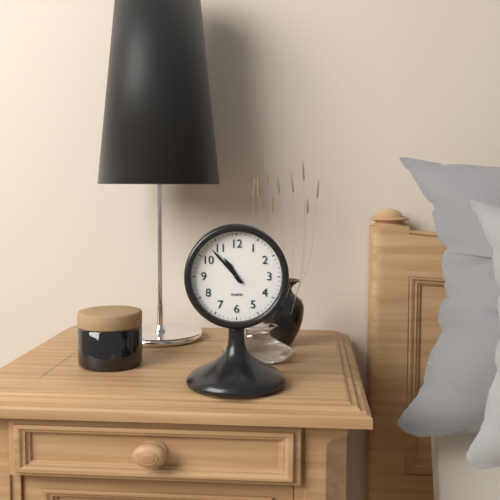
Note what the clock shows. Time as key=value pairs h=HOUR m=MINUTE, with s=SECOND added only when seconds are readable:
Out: h=10 m=53
